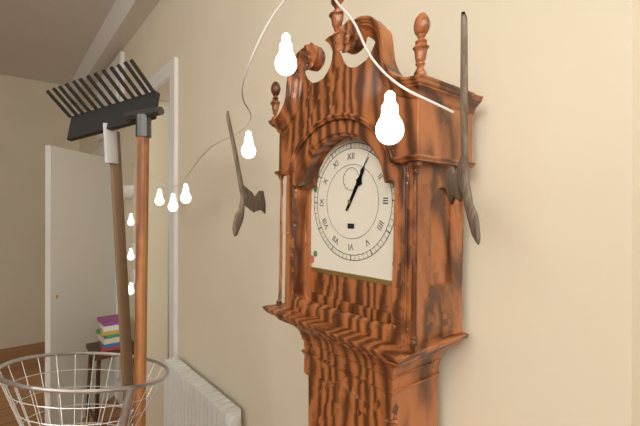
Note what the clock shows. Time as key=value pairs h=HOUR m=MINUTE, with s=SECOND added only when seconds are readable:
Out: h=1 m=5
